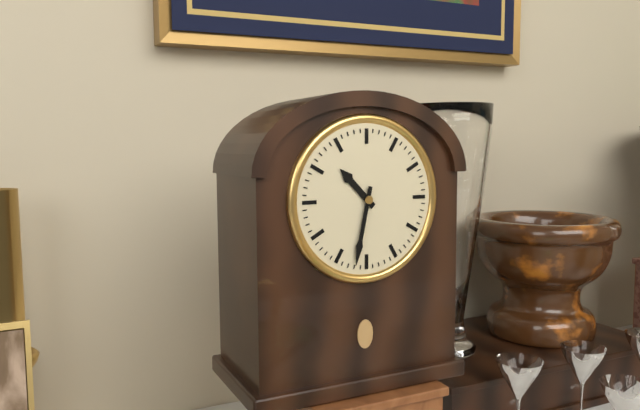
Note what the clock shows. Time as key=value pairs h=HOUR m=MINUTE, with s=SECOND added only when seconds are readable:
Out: h=10 m=32
